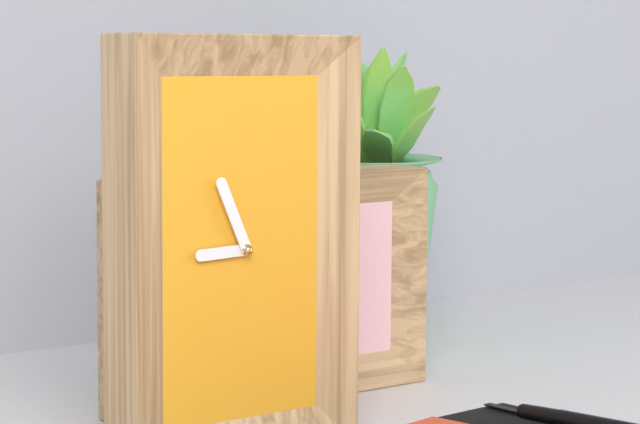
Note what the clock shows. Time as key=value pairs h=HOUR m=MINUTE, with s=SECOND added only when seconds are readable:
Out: h=8 m=56
